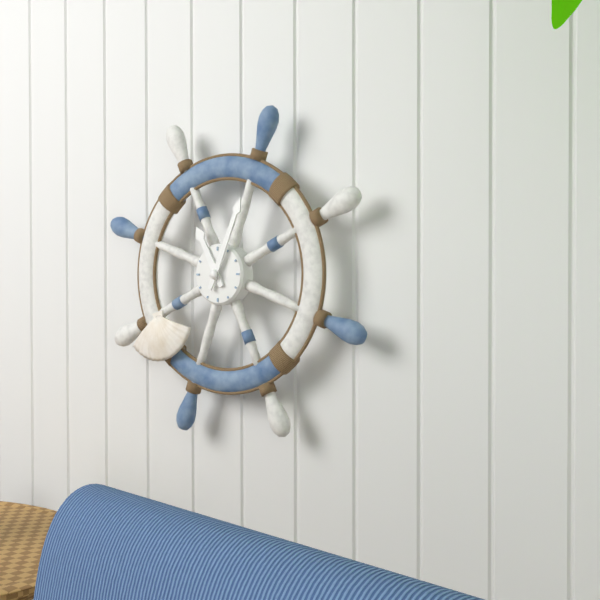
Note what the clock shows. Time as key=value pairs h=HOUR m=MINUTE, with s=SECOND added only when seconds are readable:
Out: h=11 m=4
